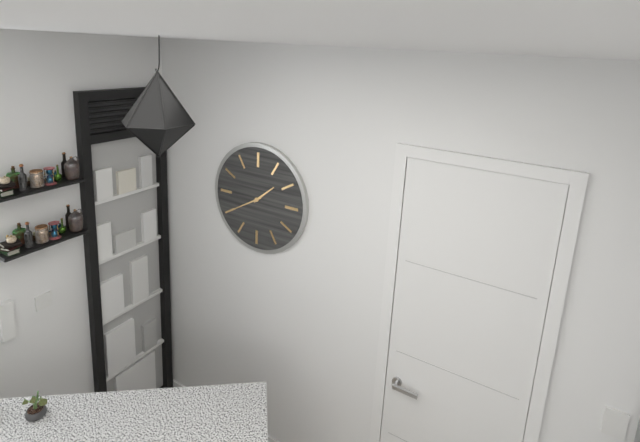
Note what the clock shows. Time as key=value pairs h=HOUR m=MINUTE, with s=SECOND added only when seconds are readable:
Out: h=1 m=40
